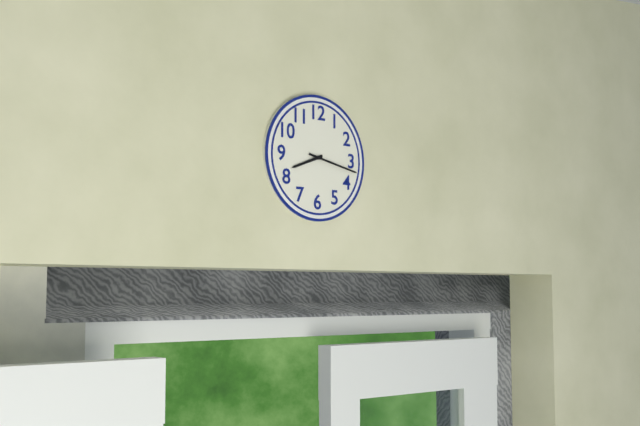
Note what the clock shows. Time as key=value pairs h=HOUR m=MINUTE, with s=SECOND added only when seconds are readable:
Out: h=8 m=17
